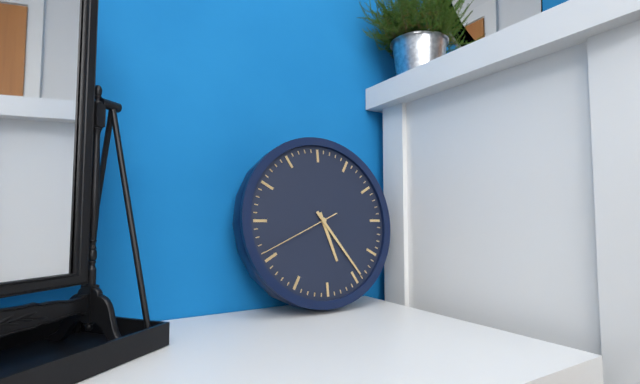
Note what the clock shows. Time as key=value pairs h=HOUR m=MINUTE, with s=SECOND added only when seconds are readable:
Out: h=5 m=24 s=41
